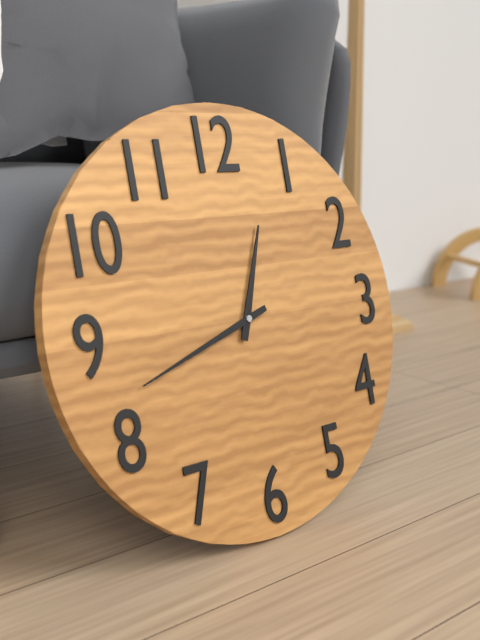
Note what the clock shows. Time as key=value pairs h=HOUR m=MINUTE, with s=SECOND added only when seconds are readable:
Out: h=12 m=42
